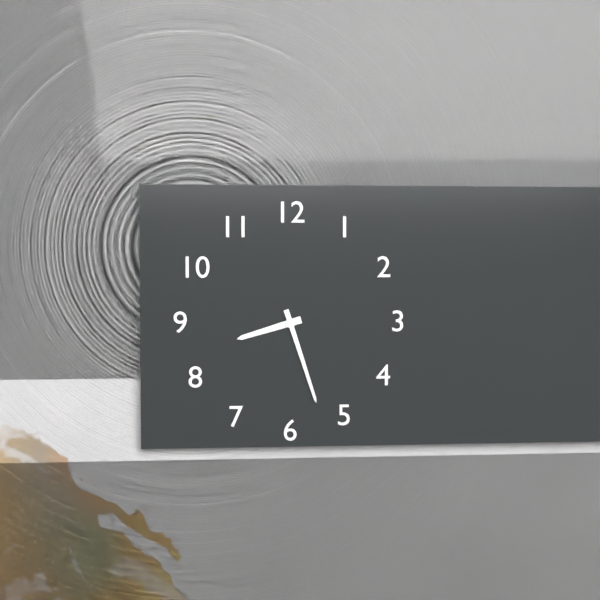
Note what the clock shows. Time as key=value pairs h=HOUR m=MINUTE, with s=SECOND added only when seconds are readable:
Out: h=8 m=27
